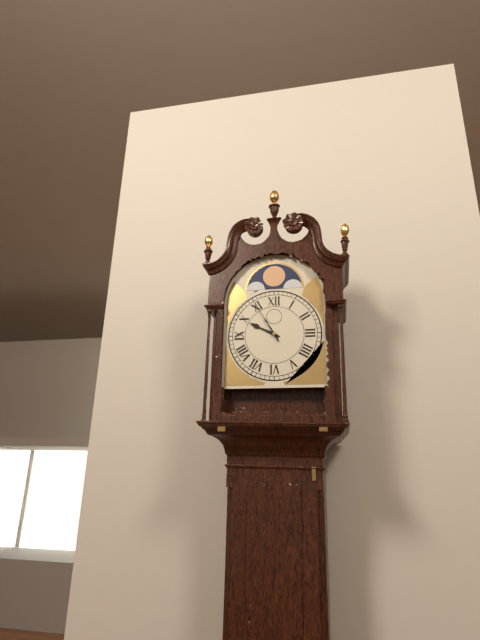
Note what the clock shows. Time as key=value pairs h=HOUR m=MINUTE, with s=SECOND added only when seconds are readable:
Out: h=9 m=55
